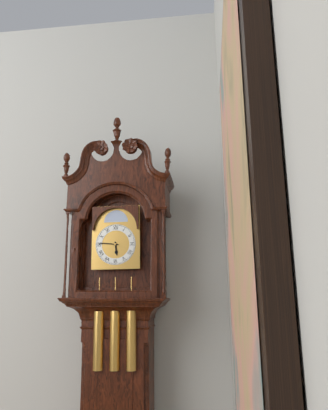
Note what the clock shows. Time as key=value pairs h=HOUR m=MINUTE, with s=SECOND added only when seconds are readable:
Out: h=5 m=46
